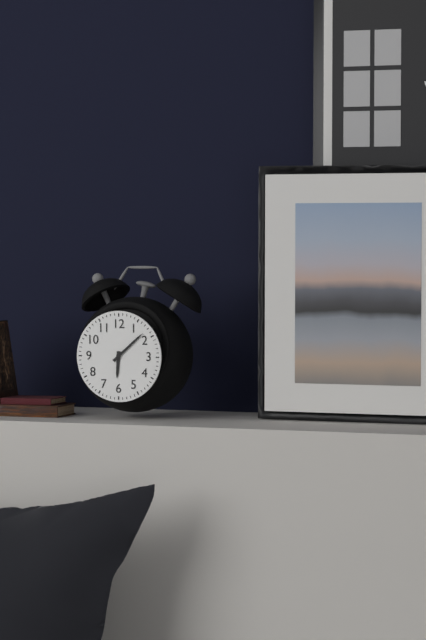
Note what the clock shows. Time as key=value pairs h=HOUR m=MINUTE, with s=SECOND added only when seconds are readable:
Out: h=6 m=8
